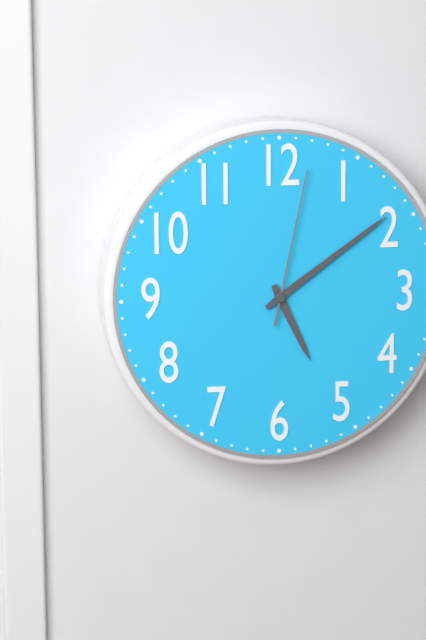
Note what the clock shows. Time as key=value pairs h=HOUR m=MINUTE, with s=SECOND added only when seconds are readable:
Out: h=5 m=9 s=2
